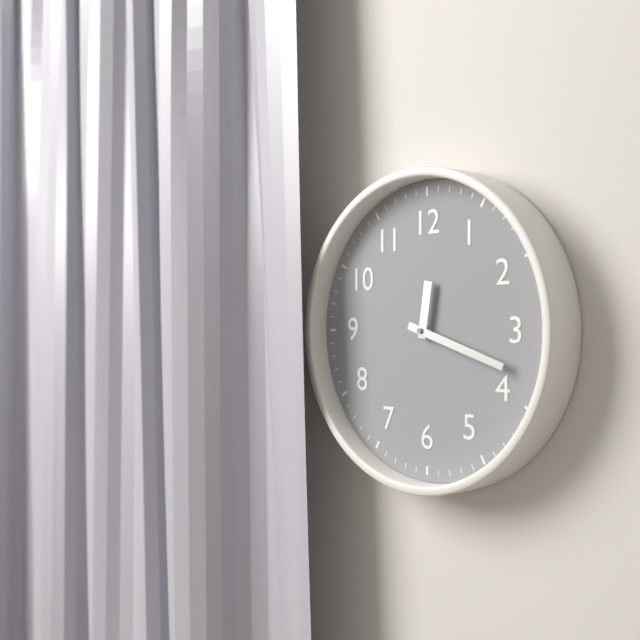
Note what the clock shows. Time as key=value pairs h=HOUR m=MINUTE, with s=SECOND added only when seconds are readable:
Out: h=12 m=18
